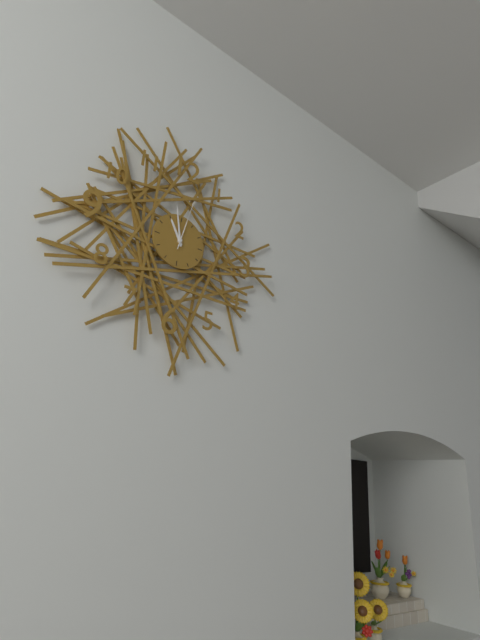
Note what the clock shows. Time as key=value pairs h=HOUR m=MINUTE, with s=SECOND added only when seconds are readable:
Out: h=10 m=58 s=2
